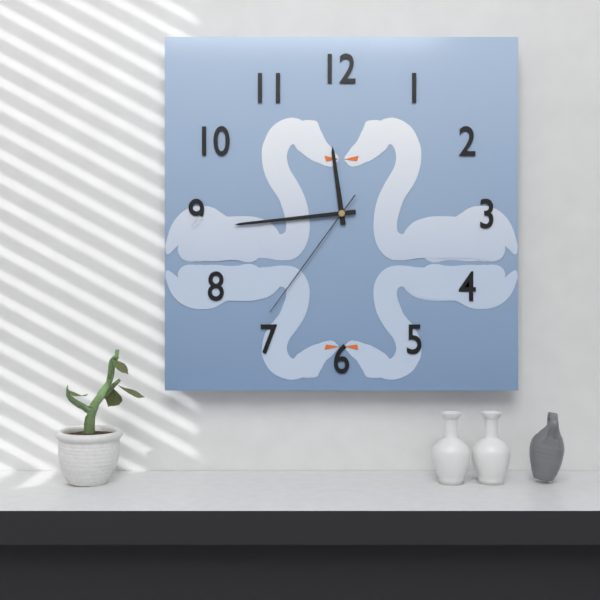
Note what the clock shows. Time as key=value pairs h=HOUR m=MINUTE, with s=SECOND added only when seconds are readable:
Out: h=11 m=44 s=36
